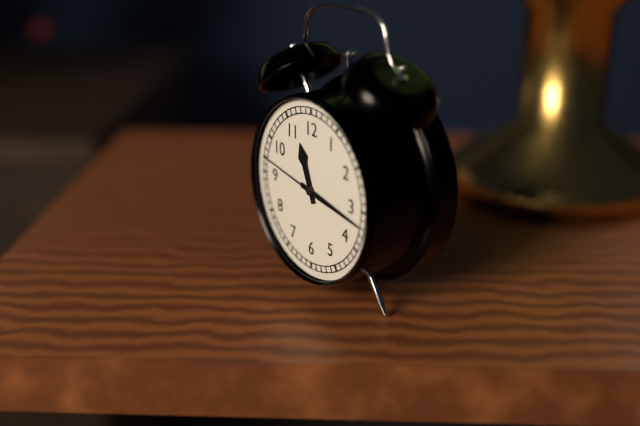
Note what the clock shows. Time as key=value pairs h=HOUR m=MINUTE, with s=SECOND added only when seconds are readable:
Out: h=11 m=17 s=47
